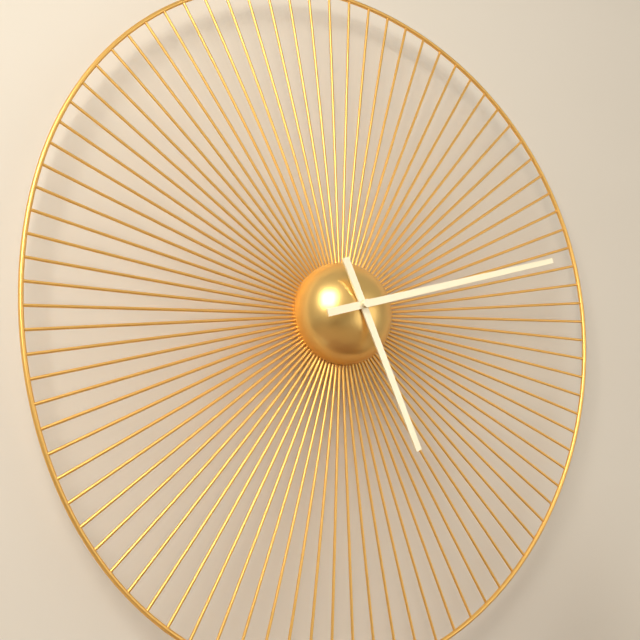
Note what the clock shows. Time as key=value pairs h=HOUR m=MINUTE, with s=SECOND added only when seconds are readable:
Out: h=5 m=12
